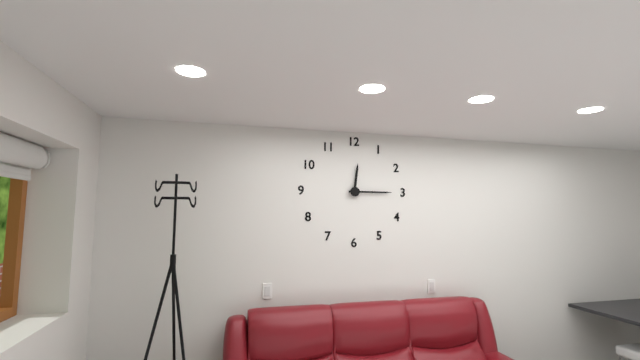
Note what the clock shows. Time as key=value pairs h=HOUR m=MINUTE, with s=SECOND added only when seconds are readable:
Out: h=12 m=15
